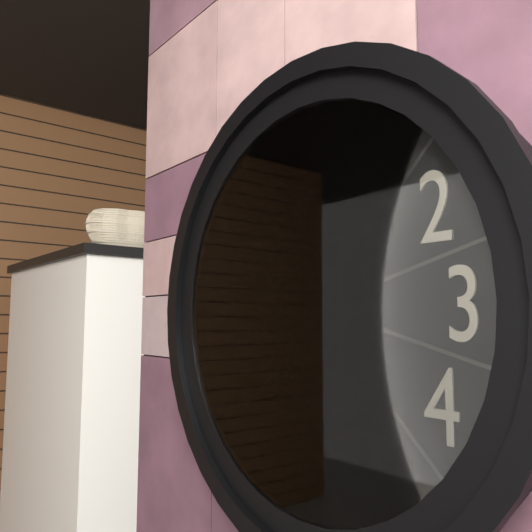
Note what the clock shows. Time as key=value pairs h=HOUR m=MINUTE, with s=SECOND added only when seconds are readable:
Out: h=2 m=1
